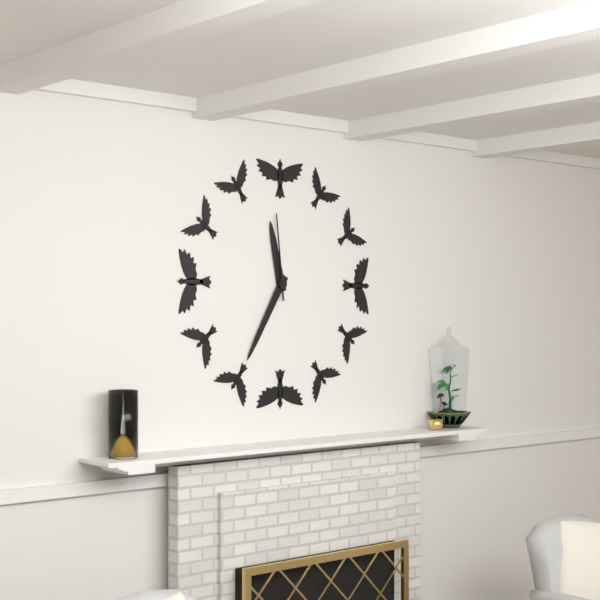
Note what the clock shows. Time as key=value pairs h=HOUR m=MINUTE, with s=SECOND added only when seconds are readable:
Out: h=11 m=35 s=59
